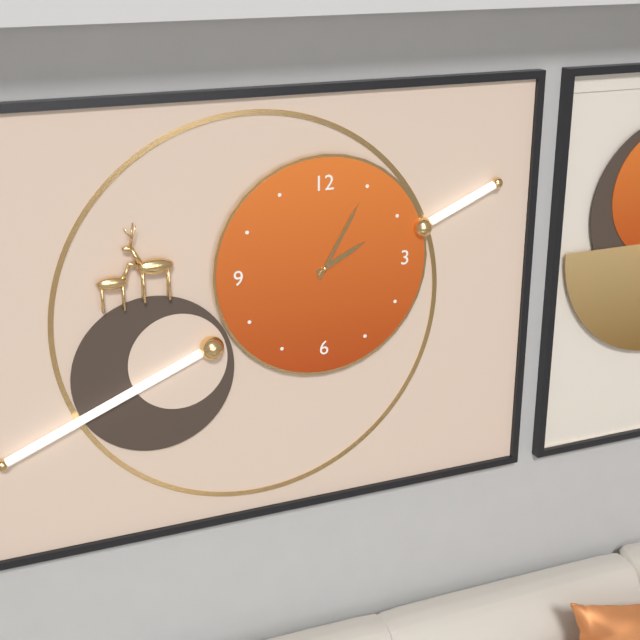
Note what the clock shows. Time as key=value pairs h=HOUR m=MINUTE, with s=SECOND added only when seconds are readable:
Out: h=2 m=5
